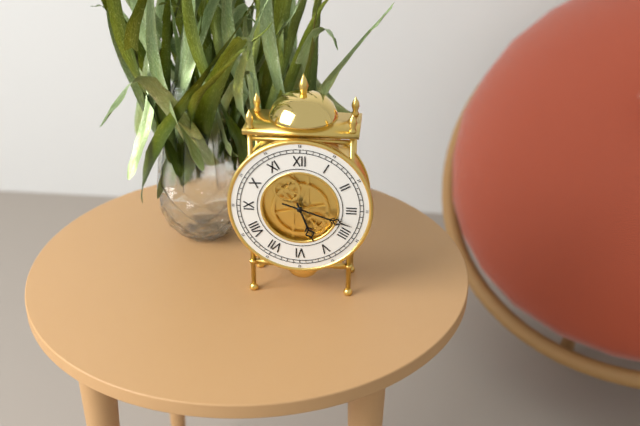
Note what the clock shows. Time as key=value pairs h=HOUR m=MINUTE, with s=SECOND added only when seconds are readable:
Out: h=5 m=18
